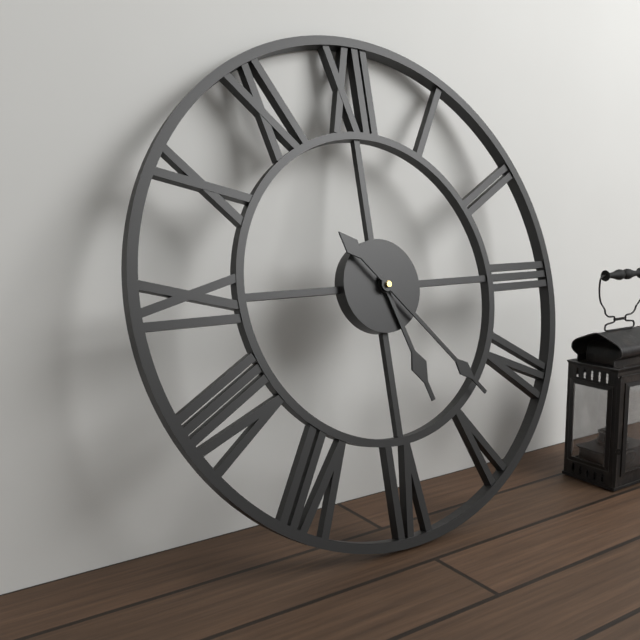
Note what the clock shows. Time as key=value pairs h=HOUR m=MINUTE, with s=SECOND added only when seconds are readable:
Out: h=5 m=23
